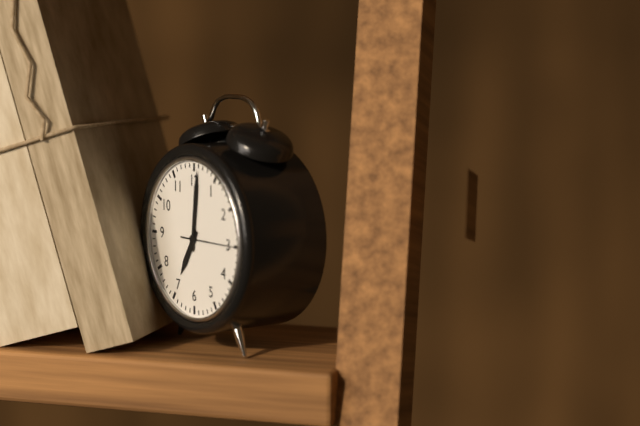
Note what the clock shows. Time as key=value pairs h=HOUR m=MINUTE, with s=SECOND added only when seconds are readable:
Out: h=7 m=1
